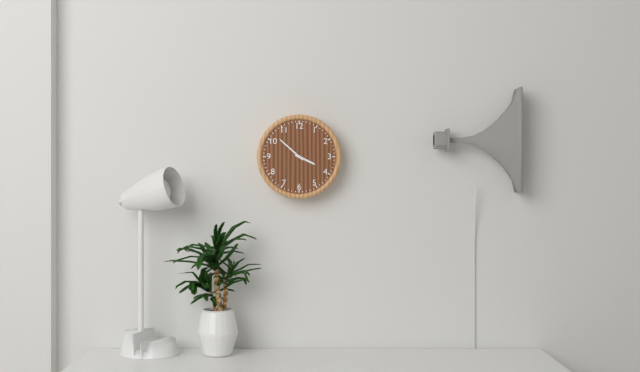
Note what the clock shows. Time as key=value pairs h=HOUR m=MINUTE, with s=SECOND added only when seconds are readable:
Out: h=3 m=52
